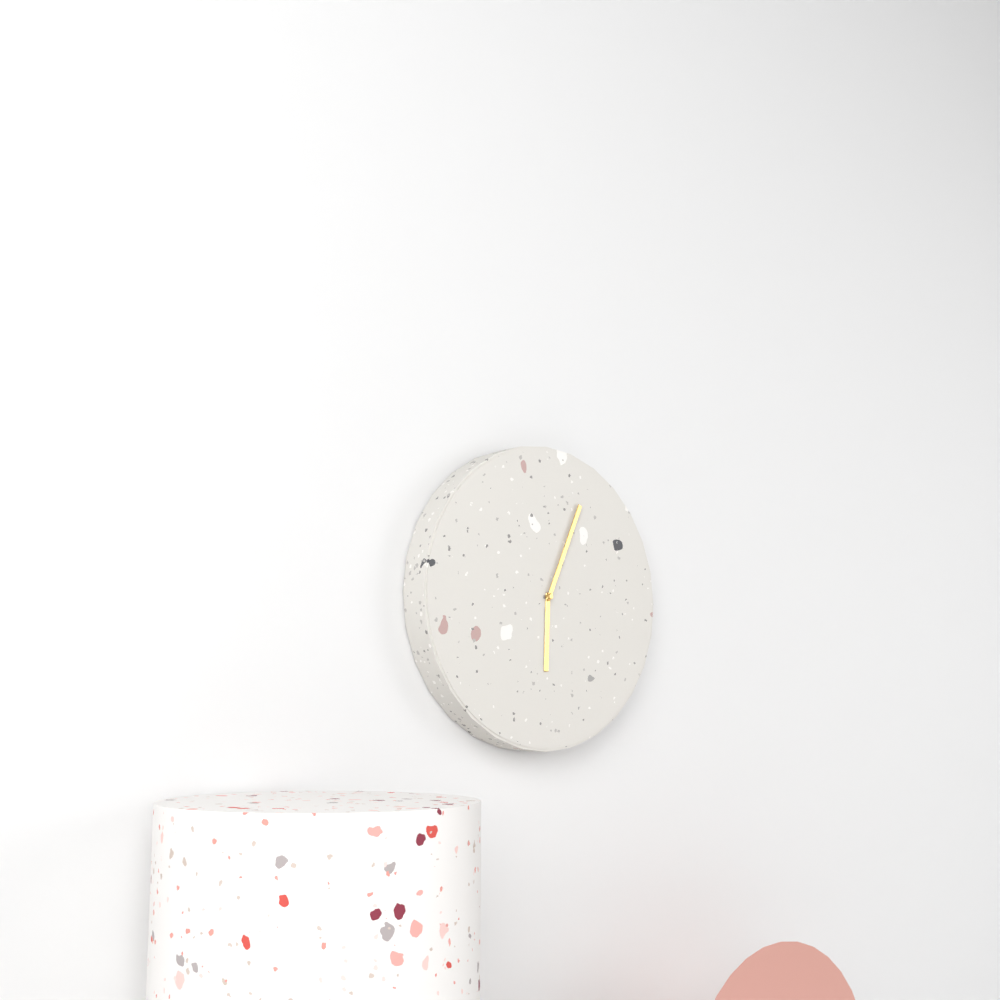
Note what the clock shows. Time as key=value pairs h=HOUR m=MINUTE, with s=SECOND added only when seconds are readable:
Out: h=6 m=4
